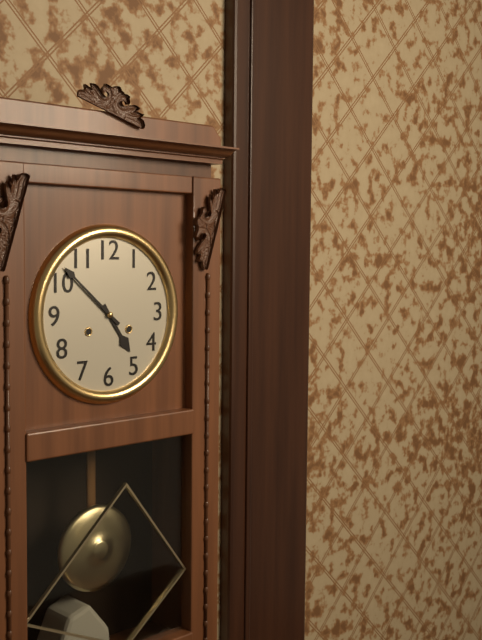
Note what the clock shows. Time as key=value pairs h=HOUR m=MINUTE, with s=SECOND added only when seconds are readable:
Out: h=4 m=52
